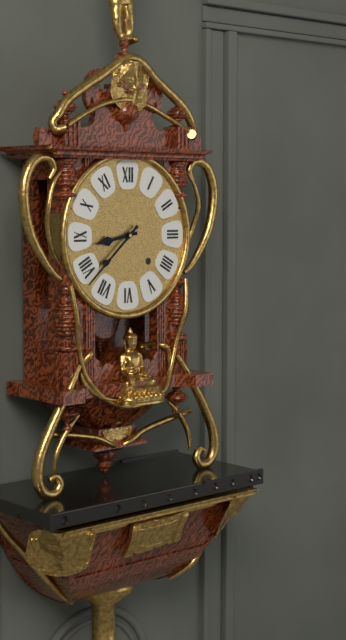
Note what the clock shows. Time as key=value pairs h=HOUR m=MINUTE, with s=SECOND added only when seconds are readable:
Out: h=8 m=38
